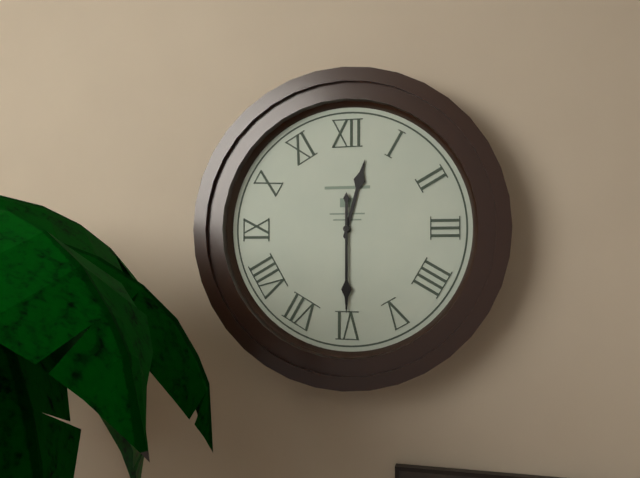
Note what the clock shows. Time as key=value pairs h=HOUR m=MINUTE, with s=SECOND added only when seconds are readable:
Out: h=12 m=30
